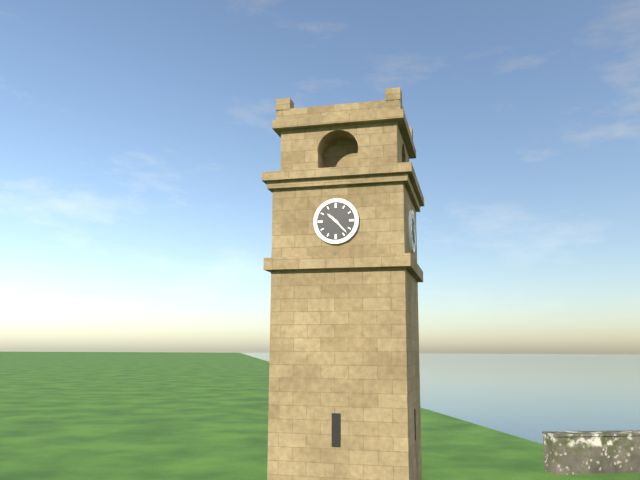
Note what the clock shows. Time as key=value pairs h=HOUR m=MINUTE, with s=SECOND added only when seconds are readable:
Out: h=10 m=23
